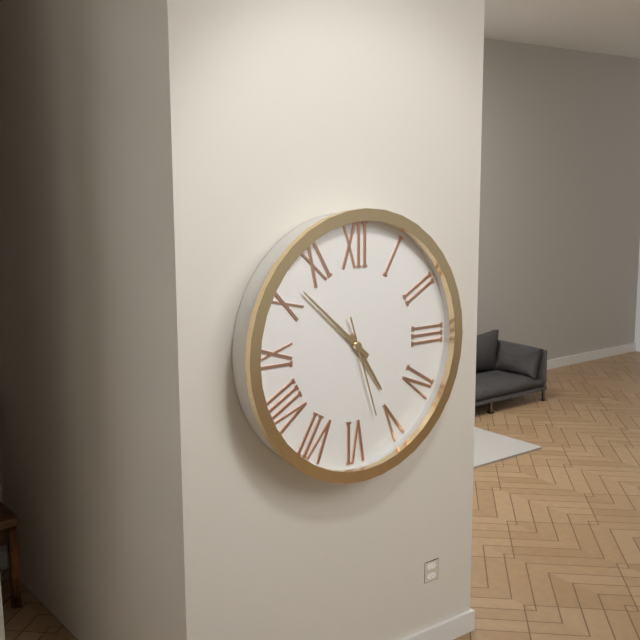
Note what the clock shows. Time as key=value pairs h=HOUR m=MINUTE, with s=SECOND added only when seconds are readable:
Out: h=4 m=52 s=27
